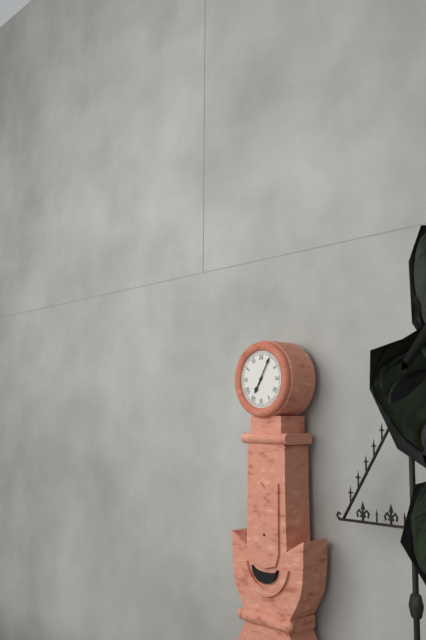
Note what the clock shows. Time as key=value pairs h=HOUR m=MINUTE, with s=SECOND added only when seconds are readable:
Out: h=7 m=5
